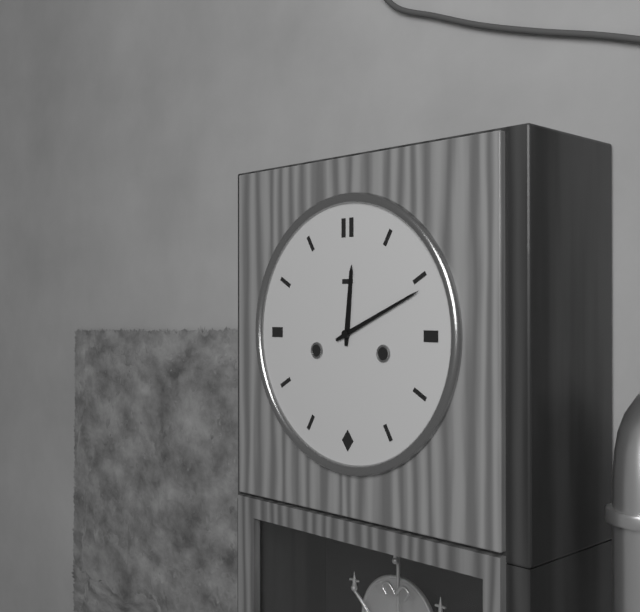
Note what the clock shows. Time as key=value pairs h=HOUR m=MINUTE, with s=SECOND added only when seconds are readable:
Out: h=12 m=11
